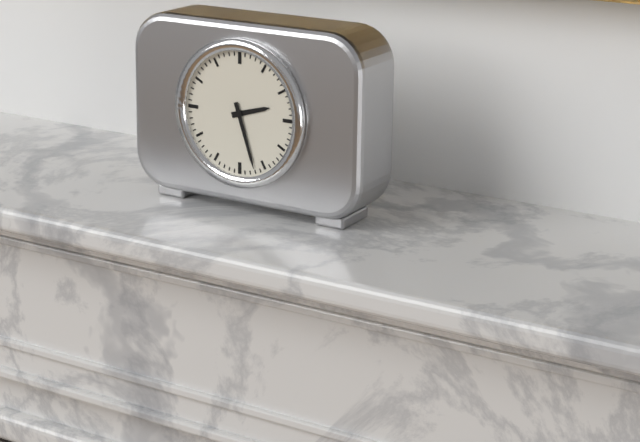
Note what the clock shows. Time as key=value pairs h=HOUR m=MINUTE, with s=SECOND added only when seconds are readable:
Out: h=2 m=27
